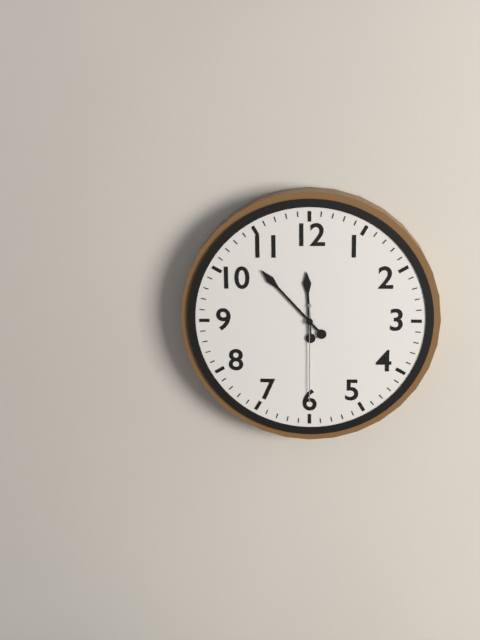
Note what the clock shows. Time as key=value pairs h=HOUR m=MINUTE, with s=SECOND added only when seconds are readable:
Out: h=11 m=53 s=30
